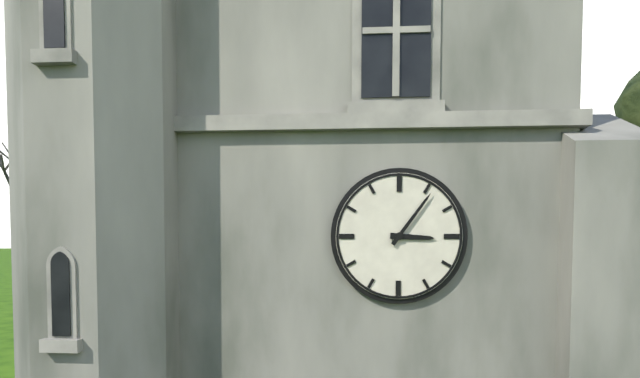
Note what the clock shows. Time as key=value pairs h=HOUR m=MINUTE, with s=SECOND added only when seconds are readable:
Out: h=3 m=6
